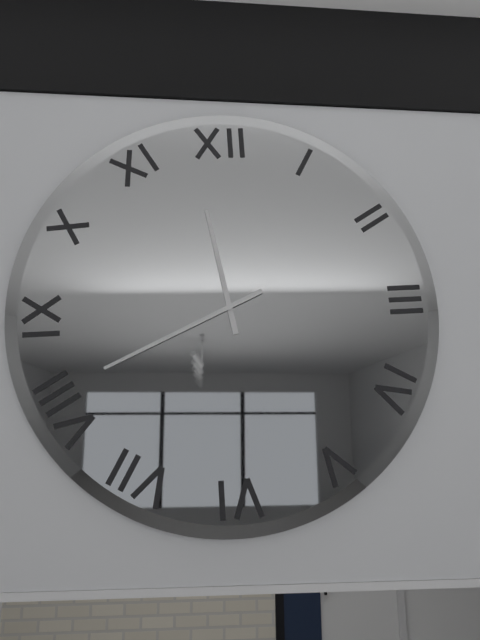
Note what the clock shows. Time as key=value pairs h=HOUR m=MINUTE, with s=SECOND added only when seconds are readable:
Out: h=11 m=41
